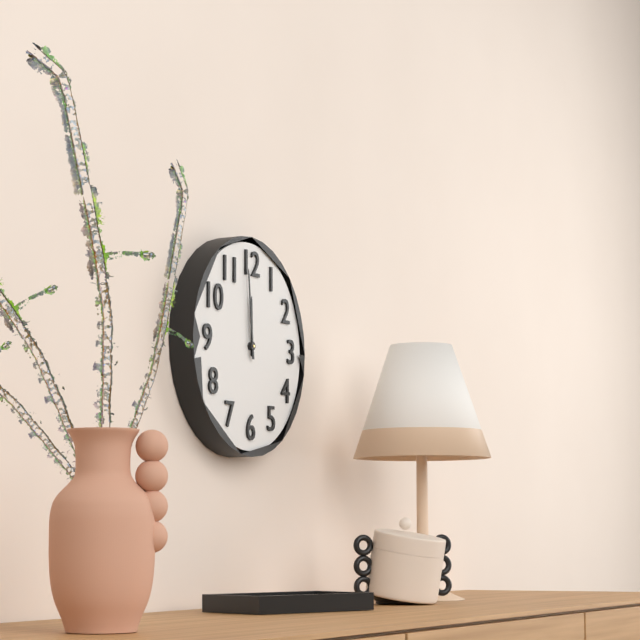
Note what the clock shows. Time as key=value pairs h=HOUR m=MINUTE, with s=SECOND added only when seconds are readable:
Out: h=11 m=59
